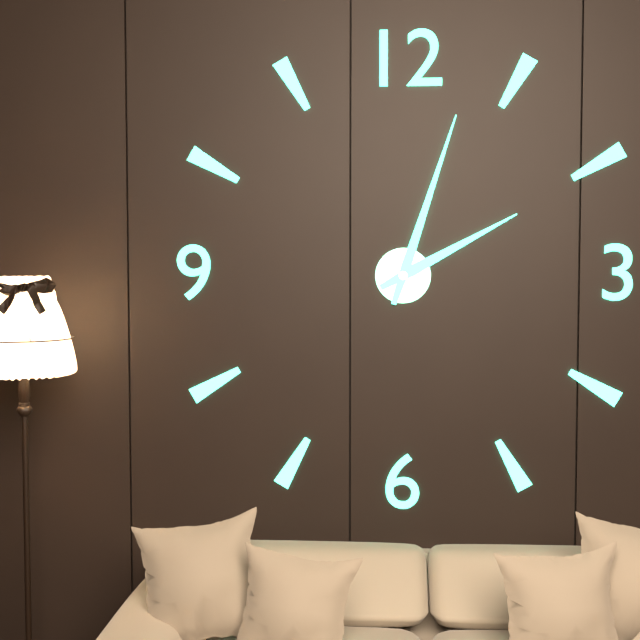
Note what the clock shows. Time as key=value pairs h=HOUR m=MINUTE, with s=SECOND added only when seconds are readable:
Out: h=2 m=3
